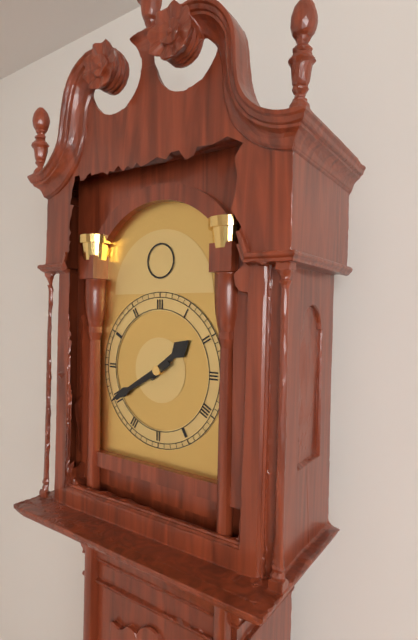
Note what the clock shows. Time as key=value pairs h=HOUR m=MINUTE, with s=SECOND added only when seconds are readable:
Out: h=1 m=40
